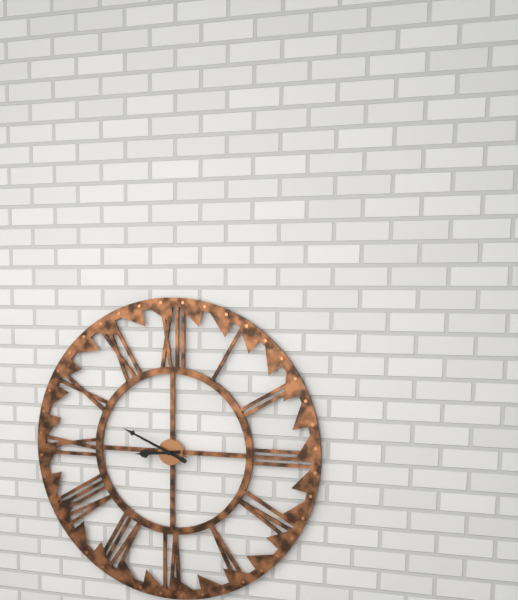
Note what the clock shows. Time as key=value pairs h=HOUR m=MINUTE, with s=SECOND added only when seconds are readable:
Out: h=8 m=49
